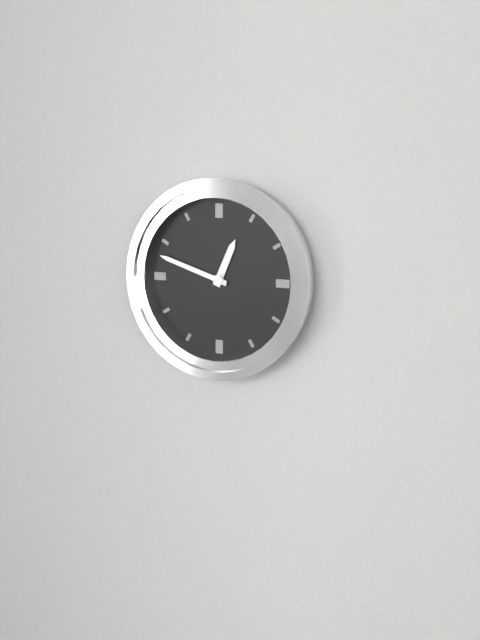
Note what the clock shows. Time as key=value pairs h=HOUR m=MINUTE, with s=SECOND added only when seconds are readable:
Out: h=12 m=48
